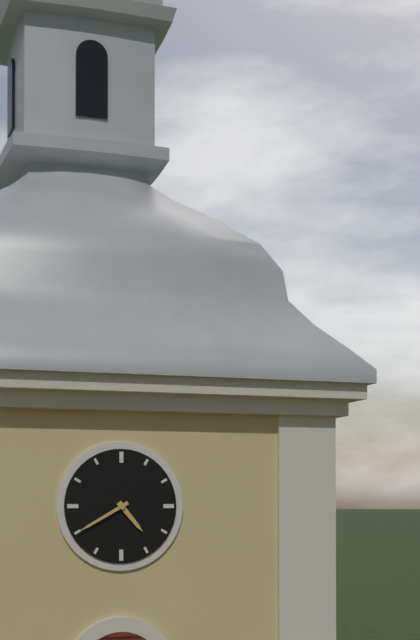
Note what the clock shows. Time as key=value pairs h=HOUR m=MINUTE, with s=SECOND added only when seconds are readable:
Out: h=4 m=40
